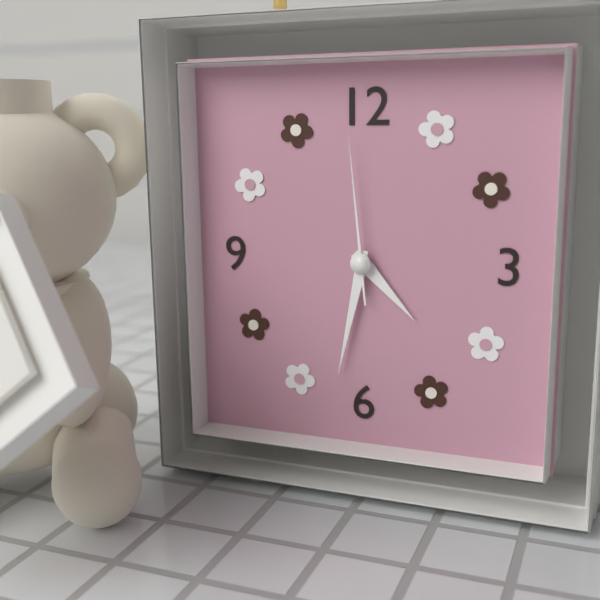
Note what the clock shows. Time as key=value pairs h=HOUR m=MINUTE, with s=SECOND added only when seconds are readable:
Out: h=4 m=32 s=59
